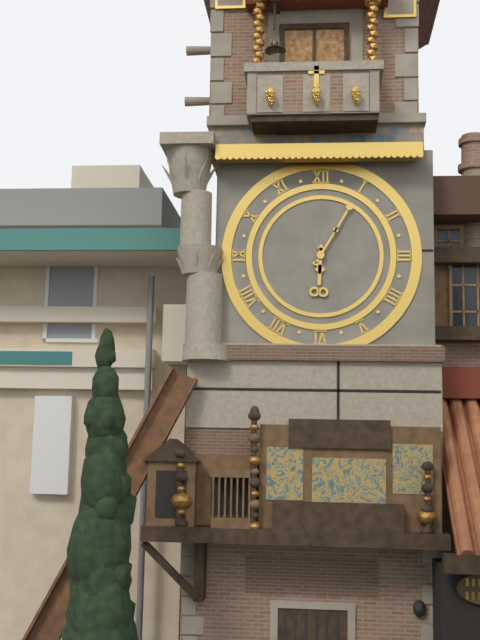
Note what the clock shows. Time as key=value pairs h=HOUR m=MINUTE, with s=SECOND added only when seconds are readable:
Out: h=6 m=5
